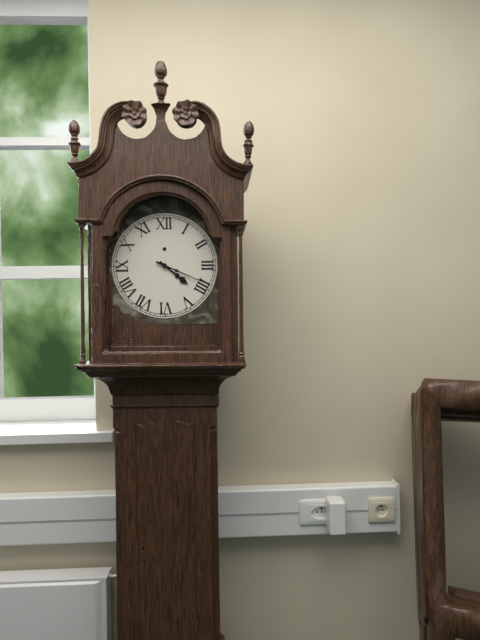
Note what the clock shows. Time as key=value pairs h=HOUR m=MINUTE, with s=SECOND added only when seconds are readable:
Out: h=4 m=19
